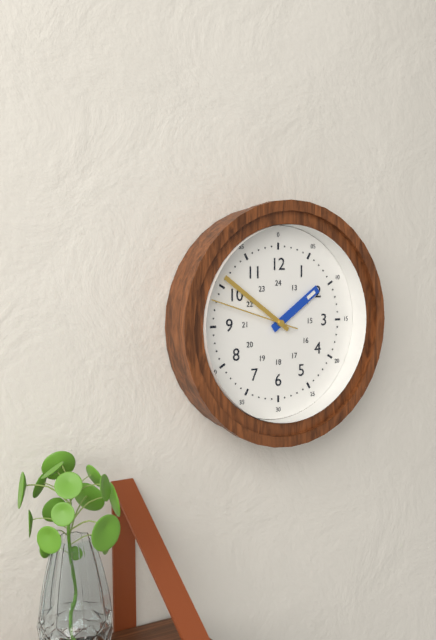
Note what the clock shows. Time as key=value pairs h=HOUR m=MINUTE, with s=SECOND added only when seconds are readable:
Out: h=1 m=51 s=48
